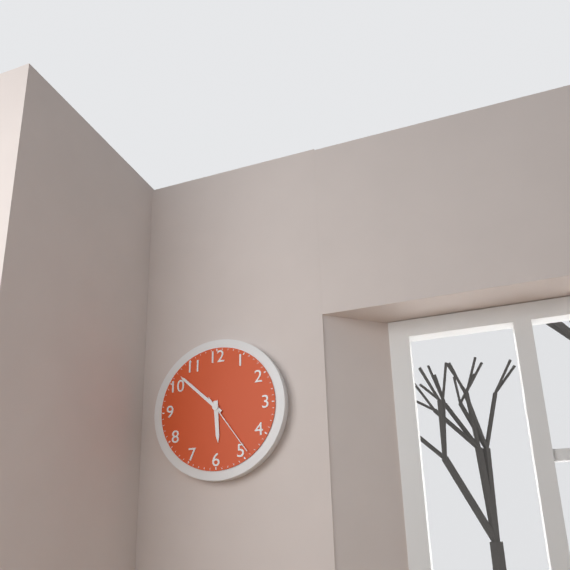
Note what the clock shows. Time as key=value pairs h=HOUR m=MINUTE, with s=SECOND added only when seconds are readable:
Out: h=5 m=52 s=24
